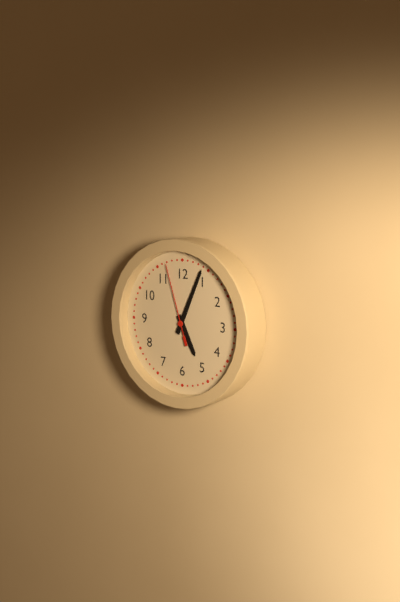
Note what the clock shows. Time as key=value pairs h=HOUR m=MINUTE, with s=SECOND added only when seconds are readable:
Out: h=5 m=4 s=57
